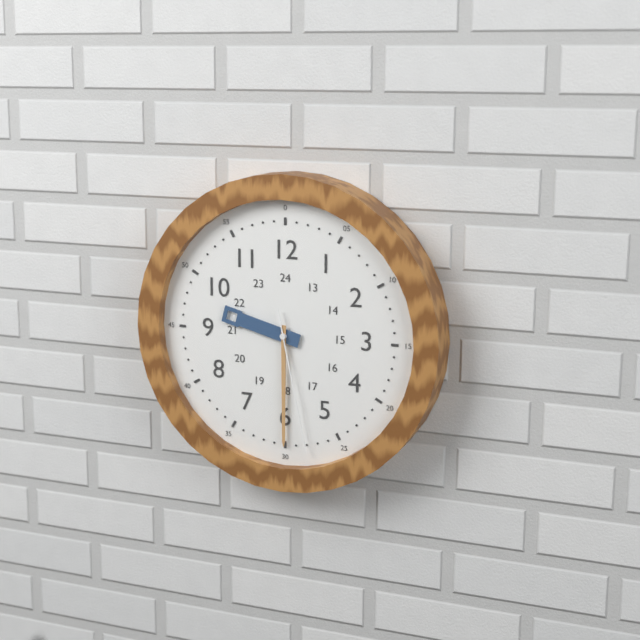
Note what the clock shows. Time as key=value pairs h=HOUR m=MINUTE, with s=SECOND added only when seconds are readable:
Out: h=9 m=30 s=28
